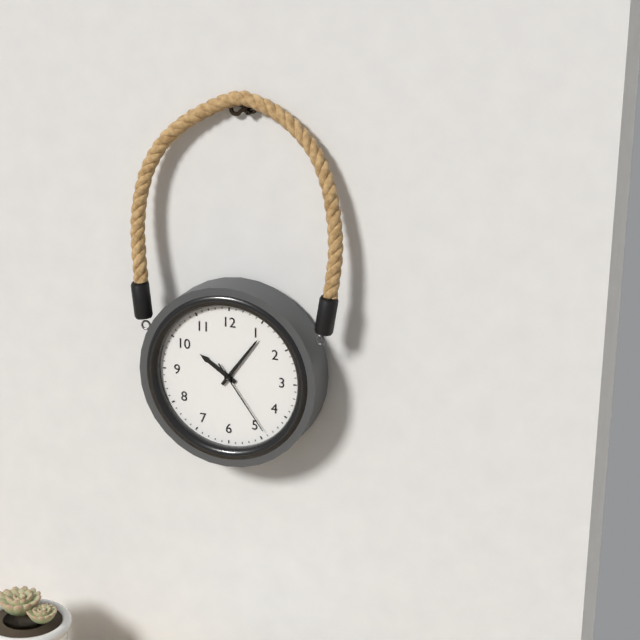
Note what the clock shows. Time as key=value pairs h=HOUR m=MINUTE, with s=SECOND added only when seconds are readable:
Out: h=10 m=6 s=24
